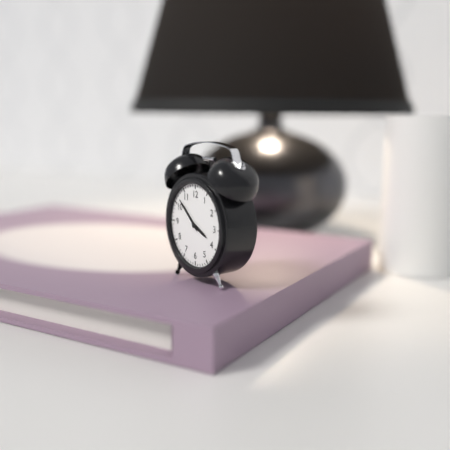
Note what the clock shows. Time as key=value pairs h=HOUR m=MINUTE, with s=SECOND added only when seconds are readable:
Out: h=3 m=52
